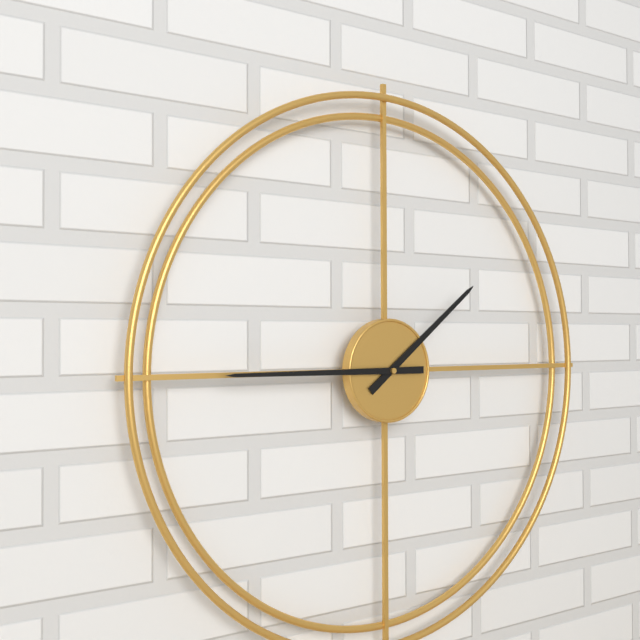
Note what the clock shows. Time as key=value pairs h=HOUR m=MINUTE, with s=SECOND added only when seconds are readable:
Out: h=1 m=45
